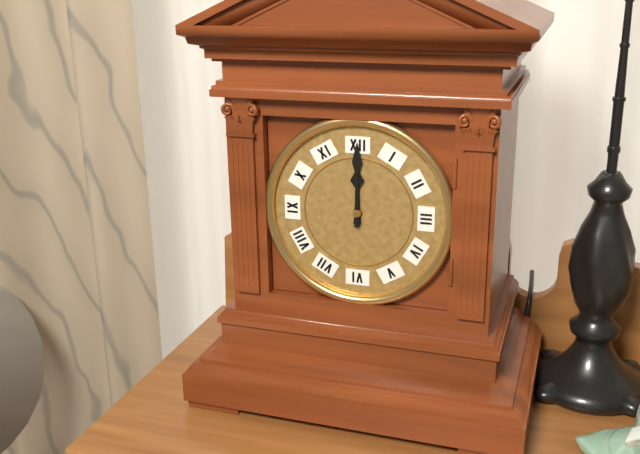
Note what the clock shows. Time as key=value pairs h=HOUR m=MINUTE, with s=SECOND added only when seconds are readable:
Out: h=12 m=0
